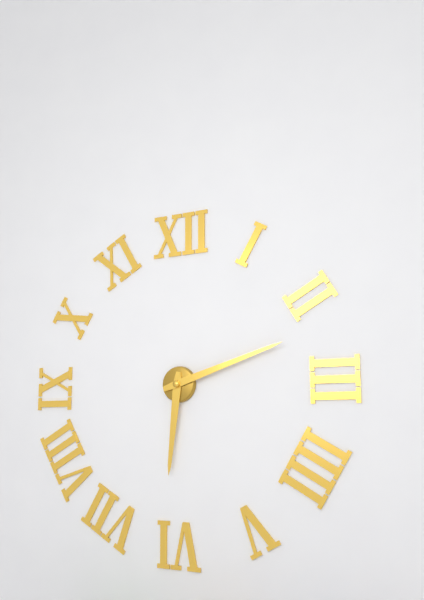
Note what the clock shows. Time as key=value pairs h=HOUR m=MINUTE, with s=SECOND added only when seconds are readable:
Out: h=6 m=12
